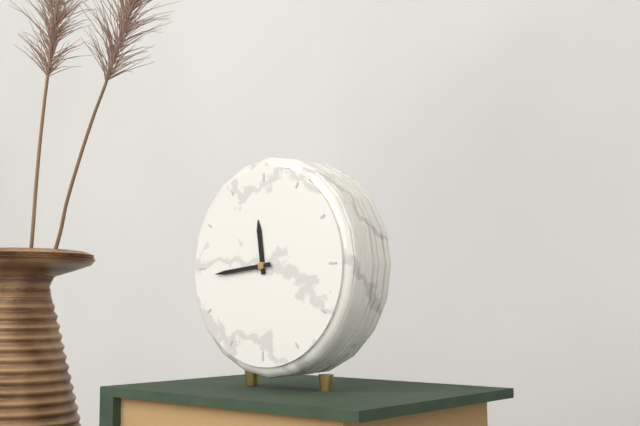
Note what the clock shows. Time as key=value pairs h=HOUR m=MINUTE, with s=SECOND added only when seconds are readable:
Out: h=11 m=44
